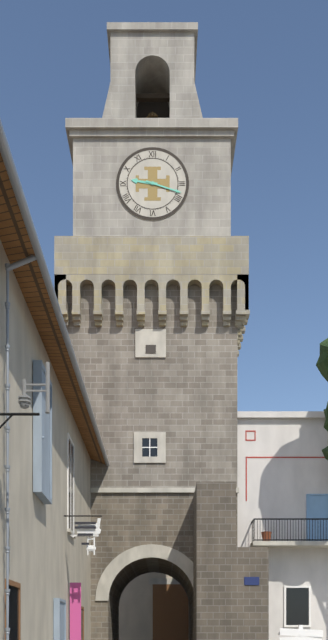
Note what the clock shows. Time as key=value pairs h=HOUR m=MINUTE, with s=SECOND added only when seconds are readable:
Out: h=9 m=18
